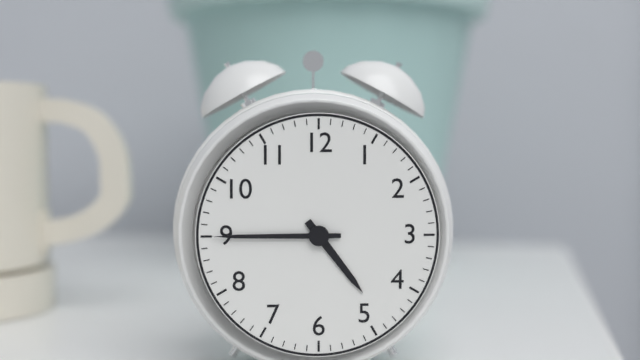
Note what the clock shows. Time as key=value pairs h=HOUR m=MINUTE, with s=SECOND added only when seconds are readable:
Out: h=4 m=45
